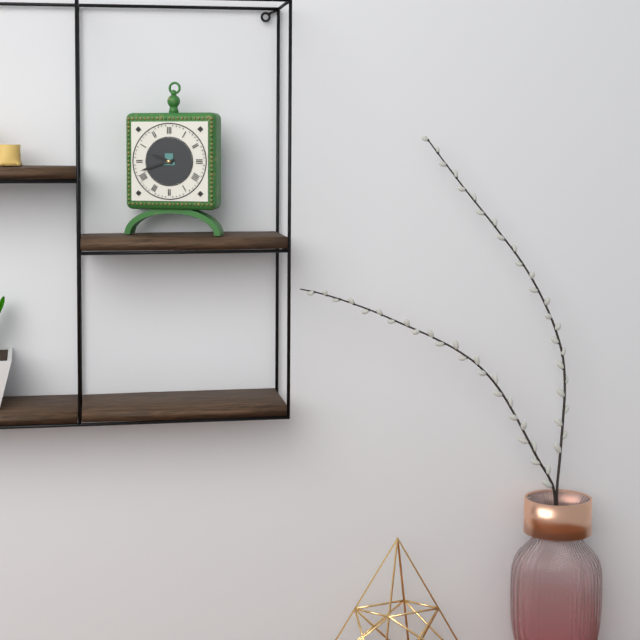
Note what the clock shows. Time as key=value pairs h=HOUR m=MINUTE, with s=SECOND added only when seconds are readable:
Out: h=9 m=42
